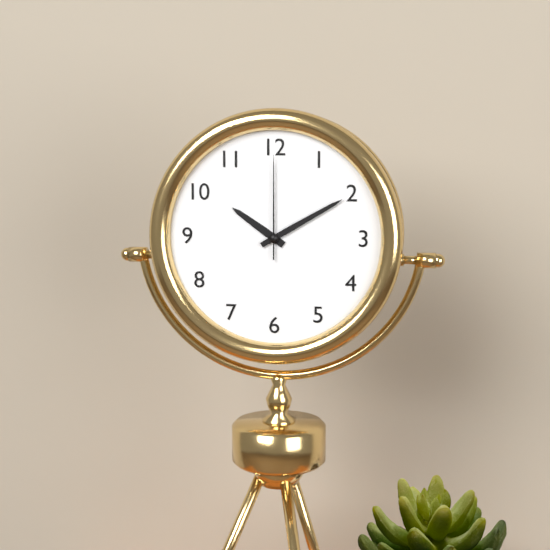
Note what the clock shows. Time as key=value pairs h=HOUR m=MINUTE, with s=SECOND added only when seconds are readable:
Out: h=10 m=10 s=0
